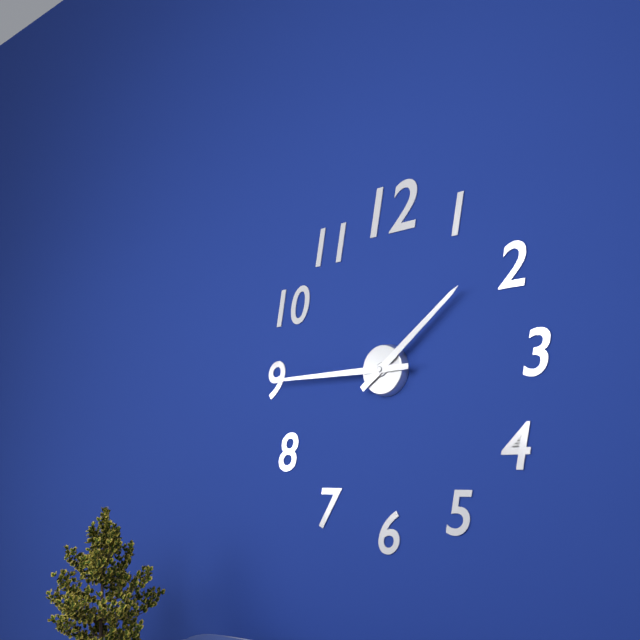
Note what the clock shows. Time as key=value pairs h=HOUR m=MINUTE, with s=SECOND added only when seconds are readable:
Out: h=1 m=45
